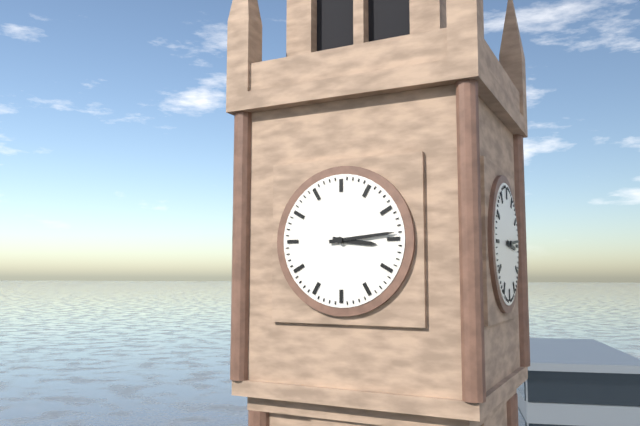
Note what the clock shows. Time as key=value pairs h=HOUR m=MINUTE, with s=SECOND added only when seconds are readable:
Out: h=3 m=14
